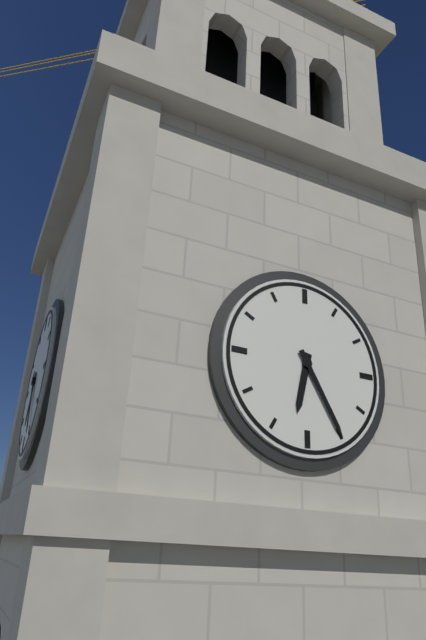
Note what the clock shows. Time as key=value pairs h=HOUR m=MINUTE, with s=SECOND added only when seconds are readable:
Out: h=6 m=25
